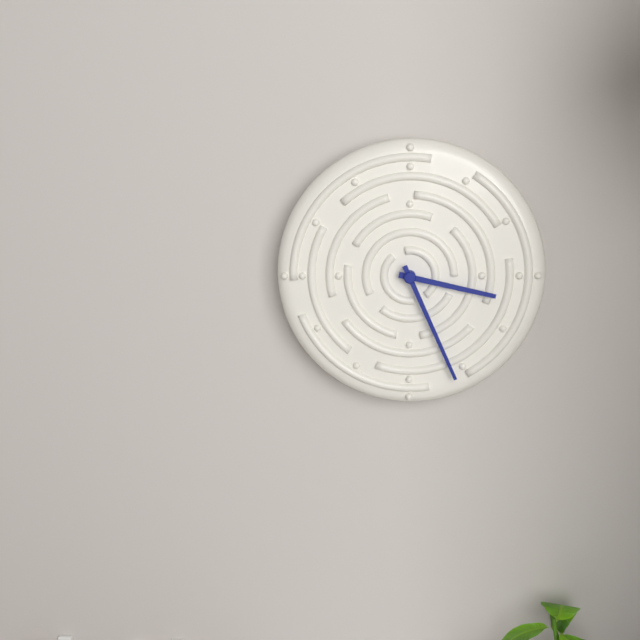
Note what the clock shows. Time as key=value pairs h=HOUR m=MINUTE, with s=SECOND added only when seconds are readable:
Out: h=3 m=26
